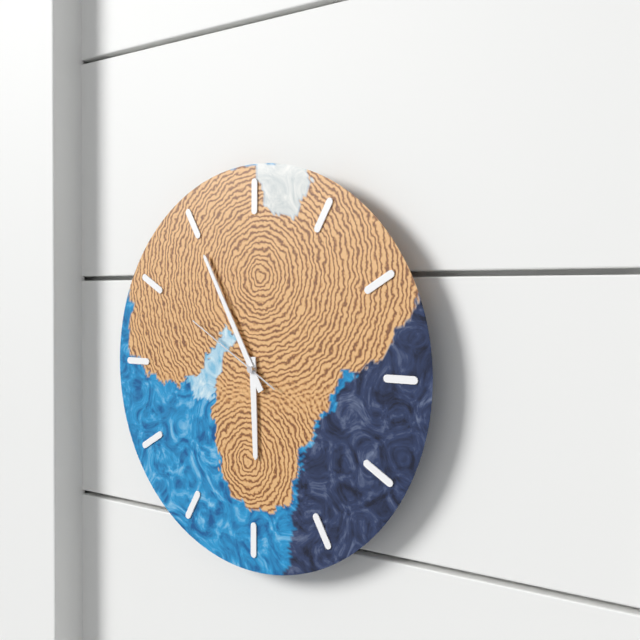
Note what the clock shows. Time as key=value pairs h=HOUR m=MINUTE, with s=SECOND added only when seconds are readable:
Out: h=5 m=55 s=50
